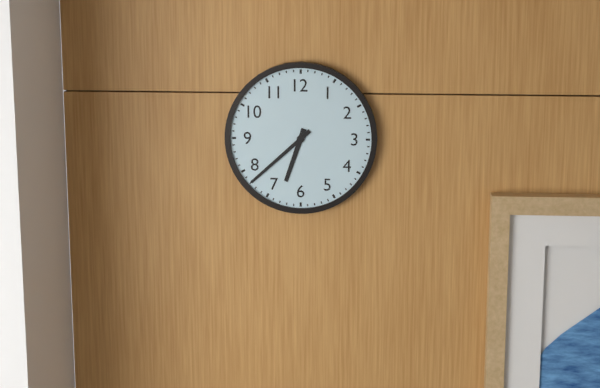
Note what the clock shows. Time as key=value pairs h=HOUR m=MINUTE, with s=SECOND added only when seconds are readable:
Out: h=6 m=38
